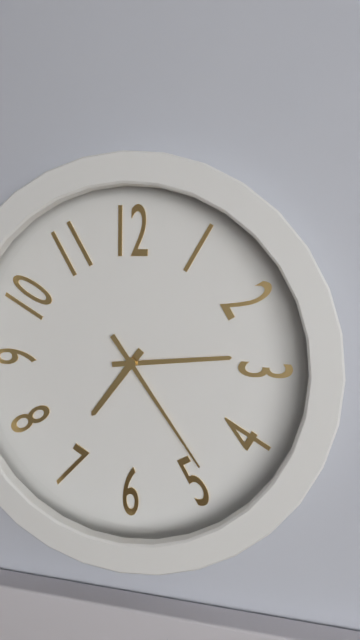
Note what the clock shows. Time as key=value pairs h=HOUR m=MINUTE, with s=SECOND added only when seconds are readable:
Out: h=7 m=14 s=24
